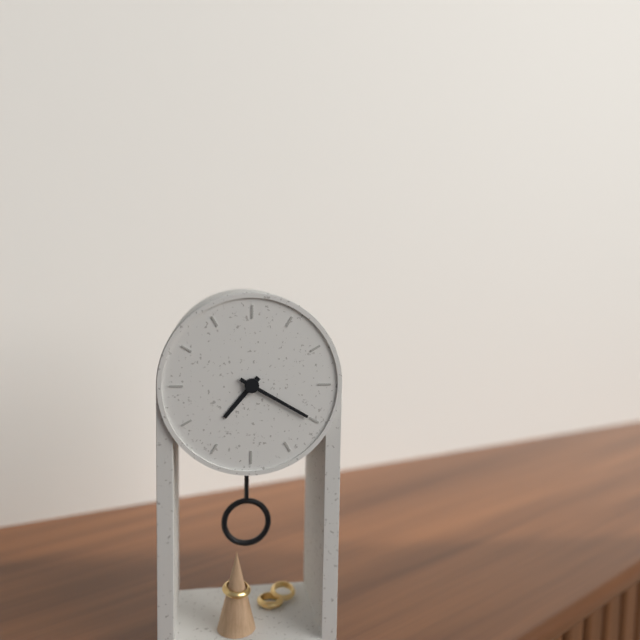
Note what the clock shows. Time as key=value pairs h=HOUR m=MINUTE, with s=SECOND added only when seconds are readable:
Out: h=7 m=20
